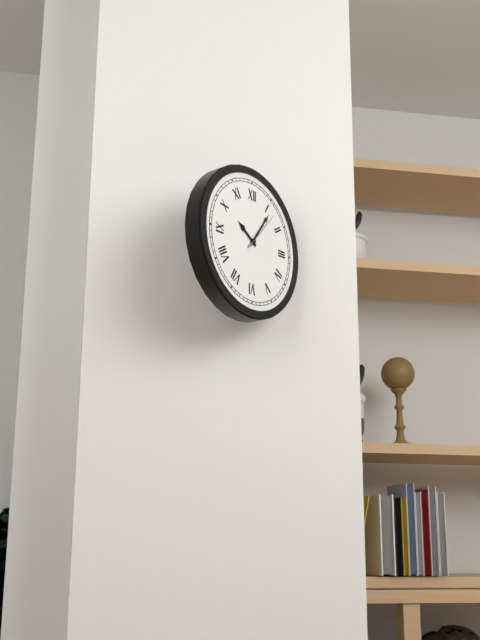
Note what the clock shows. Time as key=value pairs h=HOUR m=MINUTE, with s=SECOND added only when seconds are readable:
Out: h=10 m=6
